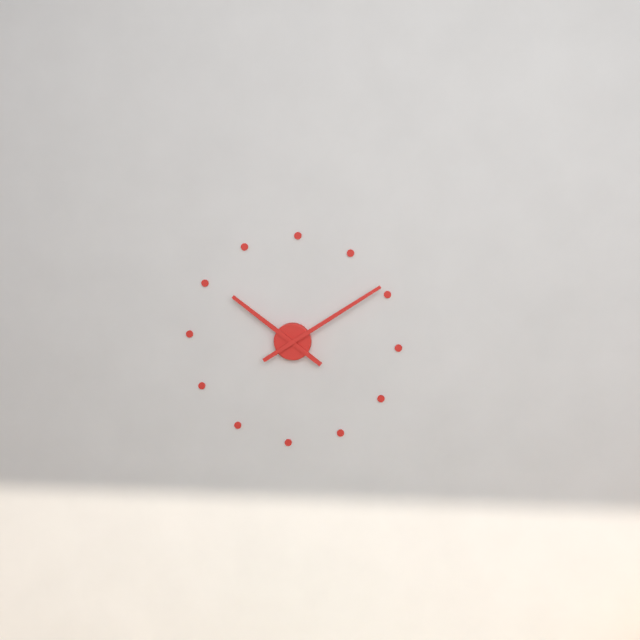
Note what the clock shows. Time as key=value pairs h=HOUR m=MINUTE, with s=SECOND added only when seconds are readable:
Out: h=10 m=9
